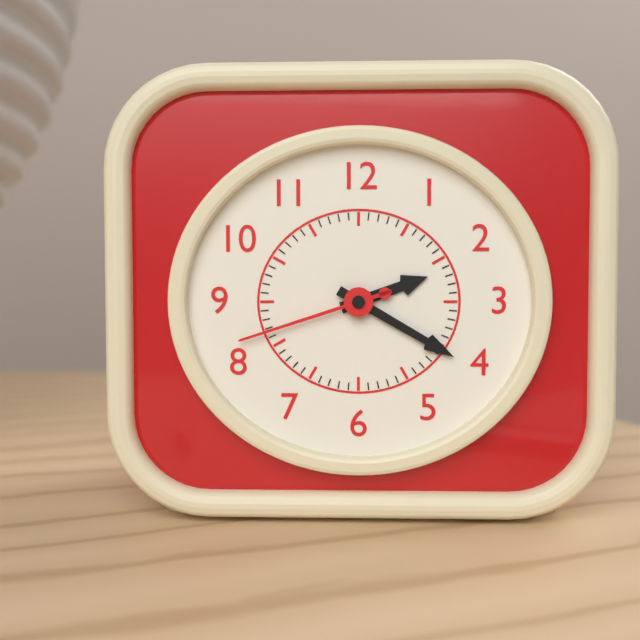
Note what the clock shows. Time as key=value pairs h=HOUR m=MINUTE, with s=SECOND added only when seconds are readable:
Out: h=2 m=20 s=42
